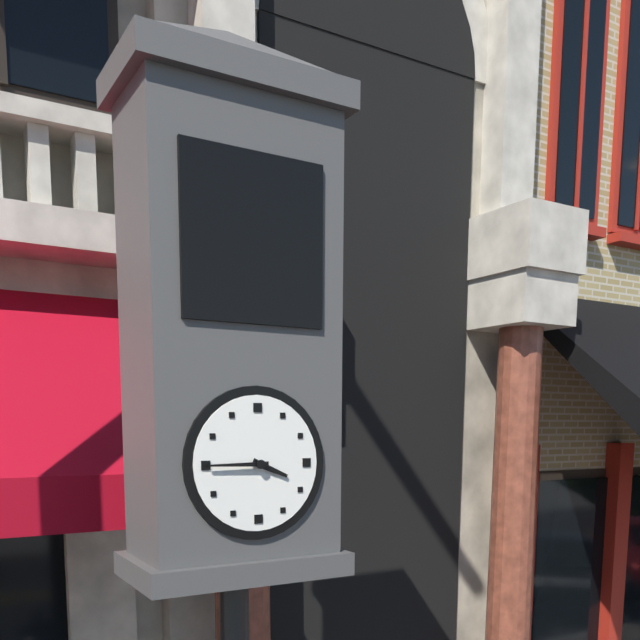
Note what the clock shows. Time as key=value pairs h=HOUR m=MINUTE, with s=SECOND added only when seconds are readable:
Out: h=3 m=45
